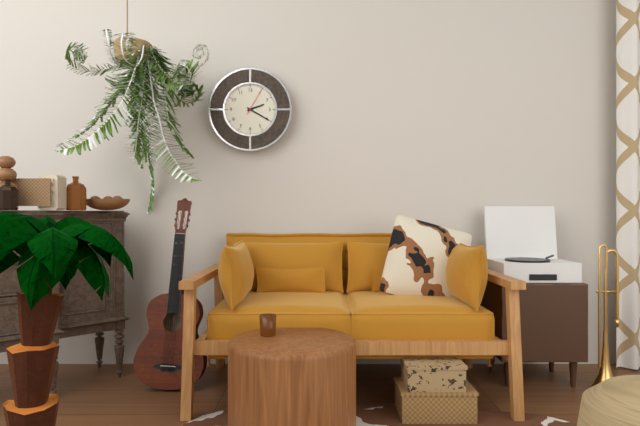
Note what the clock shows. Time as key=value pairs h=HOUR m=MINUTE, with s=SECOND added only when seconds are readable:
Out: h=2 m=20
